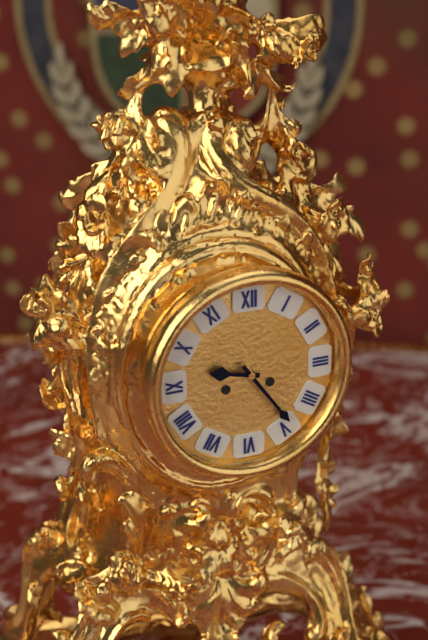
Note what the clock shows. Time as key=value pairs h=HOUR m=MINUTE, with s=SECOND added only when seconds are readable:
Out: h=9 m=24
